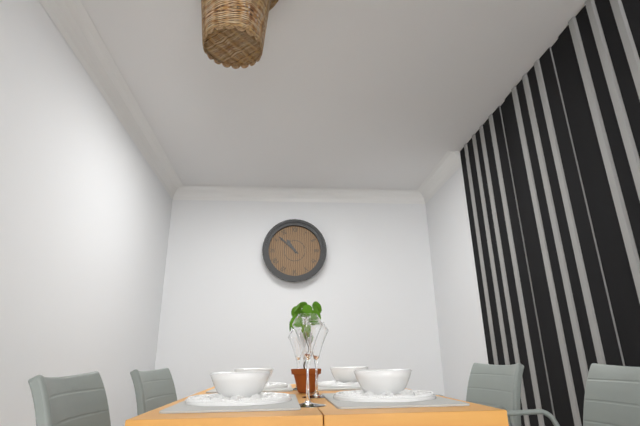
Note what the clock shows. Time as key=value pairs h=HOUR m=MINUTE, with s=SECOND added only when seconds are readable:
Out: h=10 m=52
